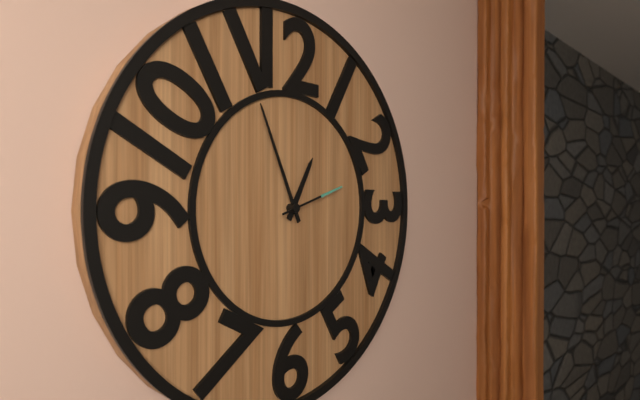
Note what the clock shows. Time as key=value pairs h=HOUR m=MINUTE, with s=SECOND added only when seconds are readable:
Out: h=12 m=56 s=12
